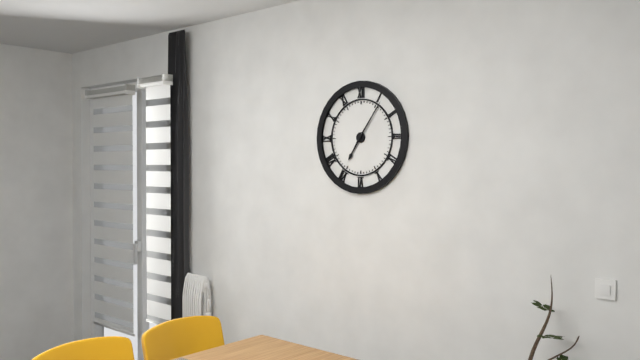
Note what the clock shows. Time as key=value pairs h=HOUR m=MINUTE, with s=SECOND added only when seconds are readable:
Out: h=7 m=6
